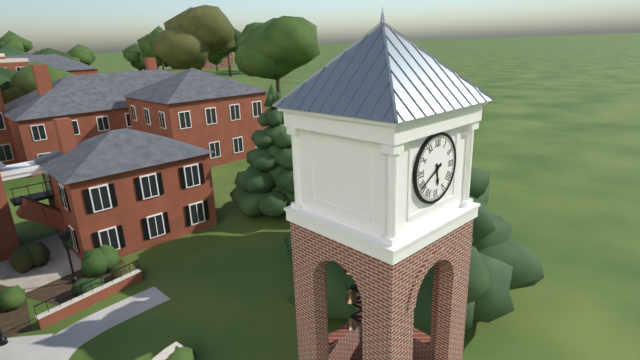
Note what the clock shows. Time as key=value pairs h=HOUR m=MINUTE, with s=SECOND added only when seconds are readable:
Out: h=5 m=40
